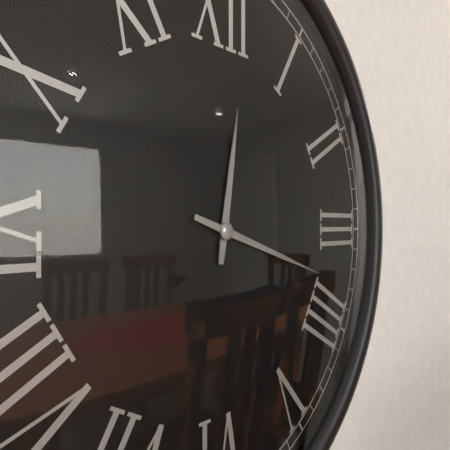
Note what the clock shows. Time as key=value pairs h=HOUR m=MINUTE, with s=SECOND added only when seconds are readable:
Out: h=12 m=18
